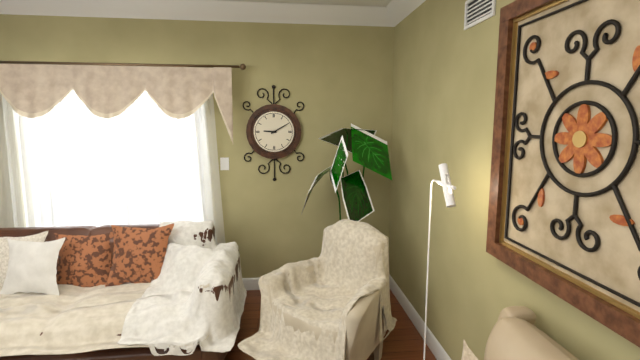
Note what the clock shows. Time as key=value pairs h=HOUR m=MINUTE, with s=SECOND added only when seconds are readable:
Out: h=9 m=10
